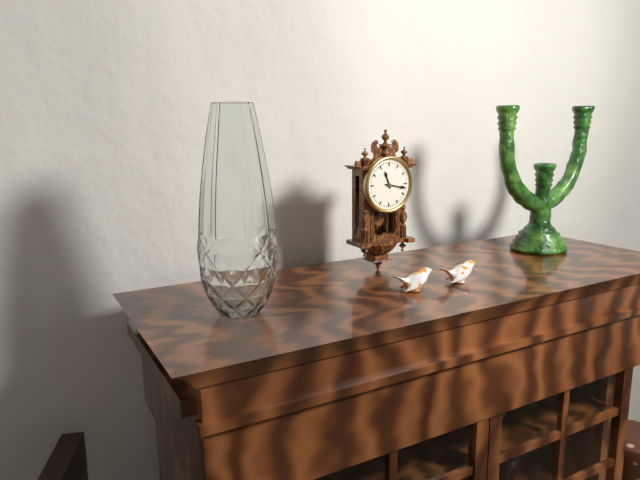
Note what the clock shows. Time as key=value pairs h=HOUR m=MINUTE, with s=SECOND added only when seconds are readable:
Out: h=11 m=17
